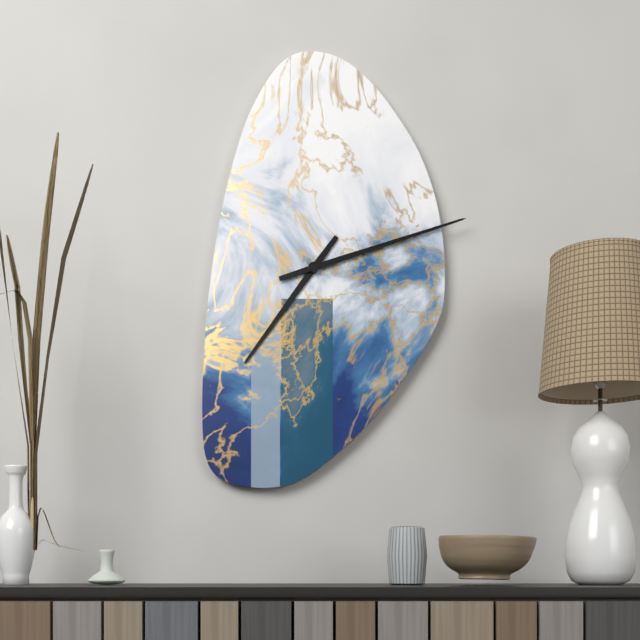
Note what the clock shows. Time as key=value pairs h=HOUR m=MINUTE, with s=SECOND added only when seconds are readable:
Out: h=7 m=12
